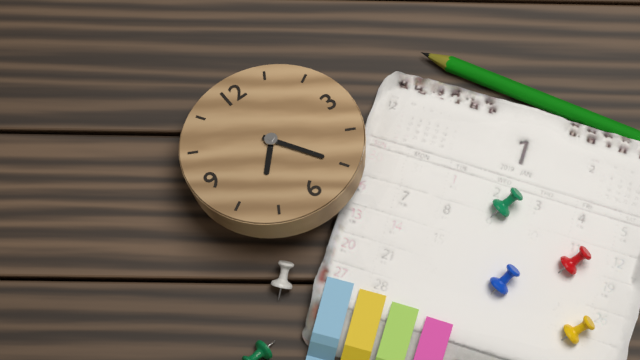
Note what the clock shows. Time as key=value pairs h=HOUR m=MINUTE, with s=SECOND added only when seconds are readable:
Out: h=7 m=25
